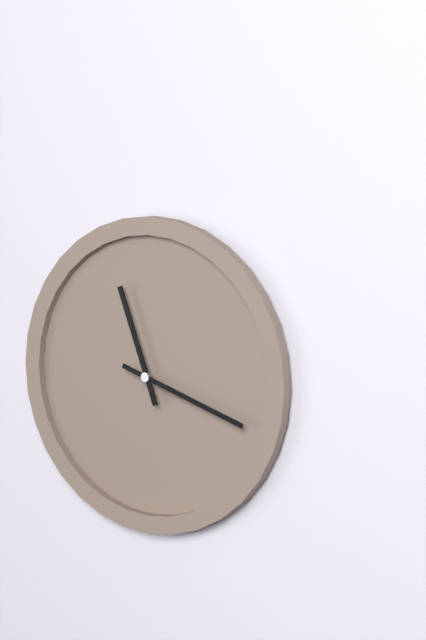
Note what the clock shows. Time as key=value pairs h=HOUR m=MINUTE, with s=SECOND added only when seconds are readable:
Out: h=11 m=18
